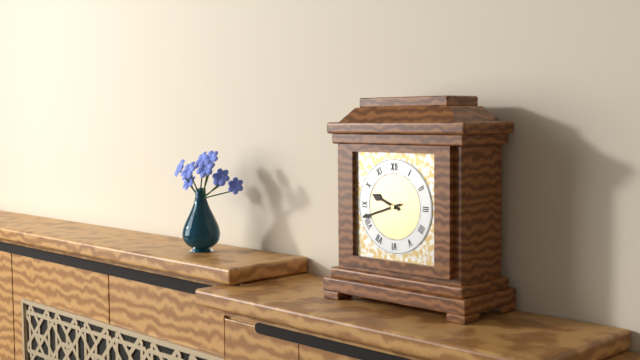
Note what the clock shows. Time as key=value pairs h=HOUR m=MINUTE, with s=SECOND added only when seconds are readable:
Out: h=9 m=42
